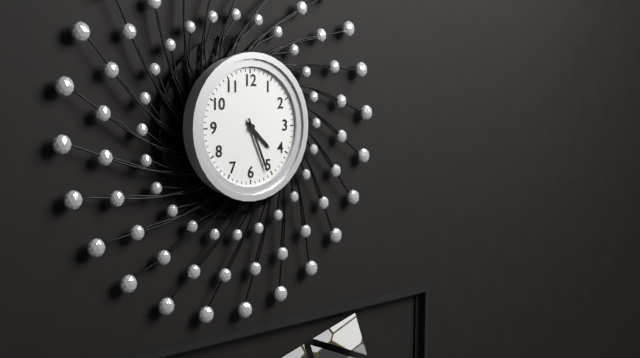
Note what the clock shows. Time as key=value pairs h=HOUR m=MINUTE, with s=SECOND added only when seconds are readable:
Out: h=4 m=26
